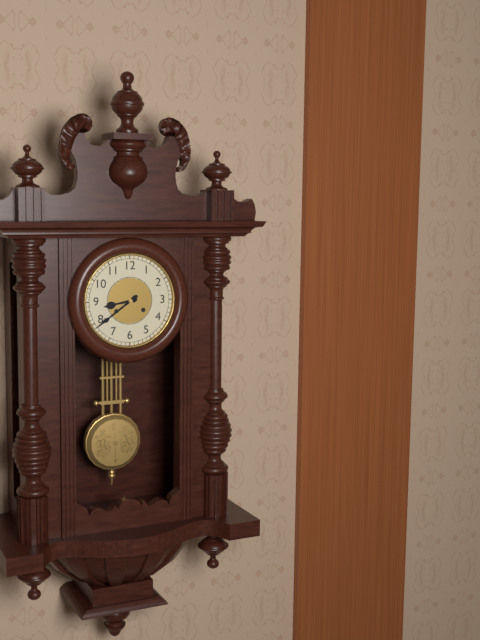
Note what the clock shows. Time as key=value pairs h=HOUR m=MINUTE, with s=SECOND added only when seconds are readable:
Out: h=8 m=39
